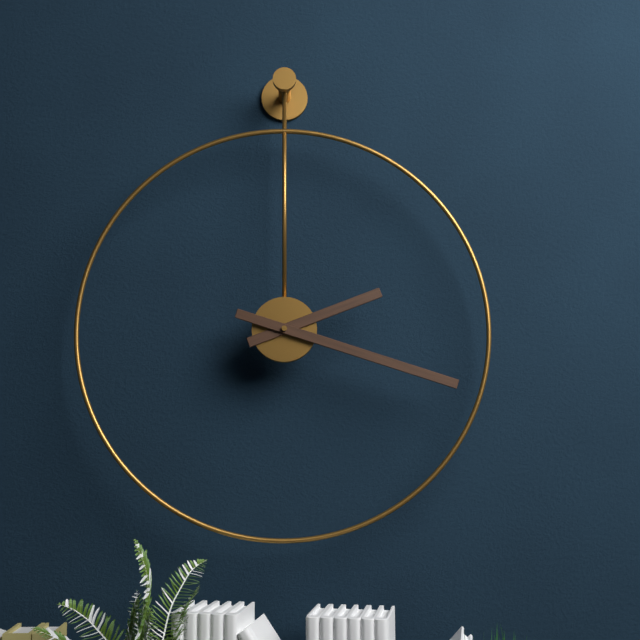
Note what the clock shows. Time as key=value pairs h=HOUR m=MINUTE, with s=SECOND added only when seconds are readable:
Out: h=2 m=18
